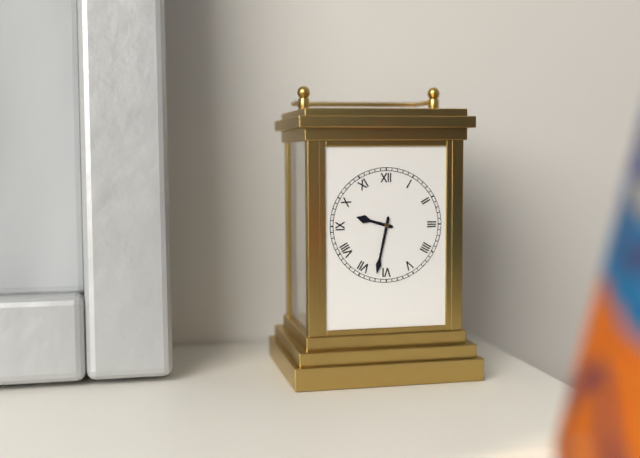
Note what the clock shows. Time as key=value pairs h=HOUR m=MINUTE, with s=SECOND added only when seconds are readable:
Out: h=9 m=32
